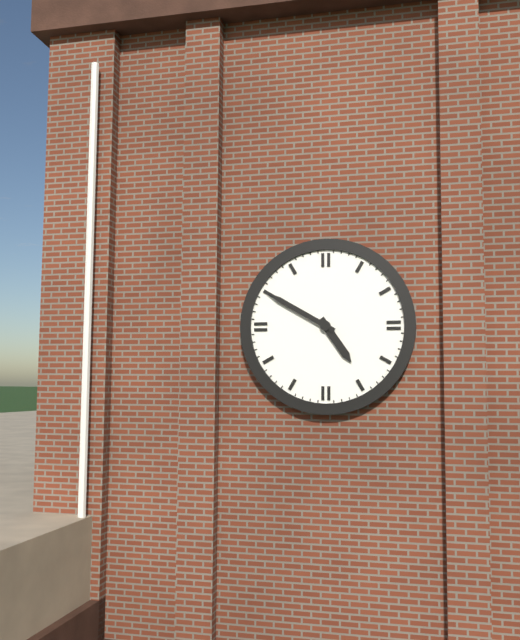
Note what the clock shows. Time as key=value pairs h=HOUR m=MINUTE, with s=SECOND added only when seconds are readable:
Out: h=4 m=50
